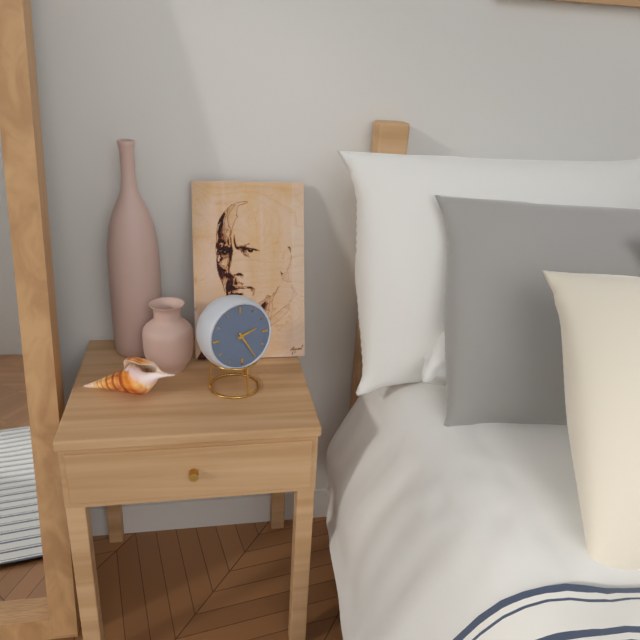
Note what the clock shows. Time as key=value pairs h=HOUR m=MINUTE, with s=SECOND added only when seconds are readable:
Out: h=2 m=25
